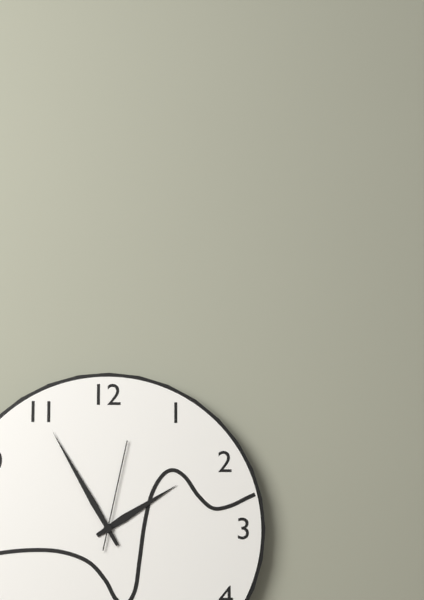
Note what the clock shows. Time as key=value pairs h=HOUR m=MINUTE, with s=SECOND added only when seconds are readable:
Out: h=1 m=55 s=2
